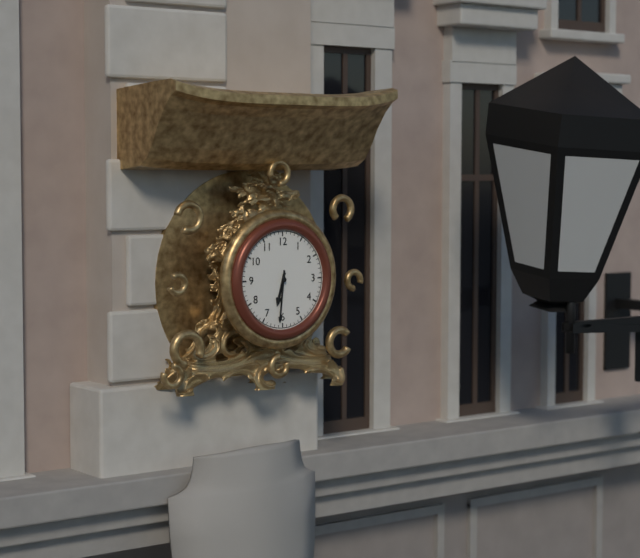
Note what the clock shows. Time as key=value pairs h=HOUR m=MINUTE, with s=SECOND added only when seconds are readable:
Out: h=6 m=31
